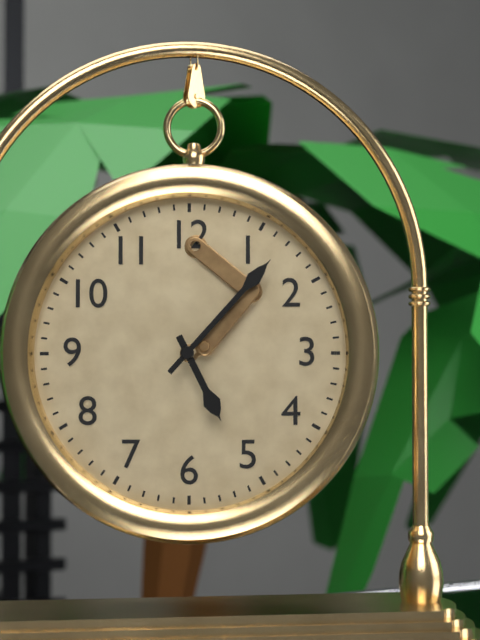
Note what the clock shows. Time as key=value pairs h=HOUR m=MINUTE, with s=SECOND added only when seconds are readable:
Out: h=5 m=7
